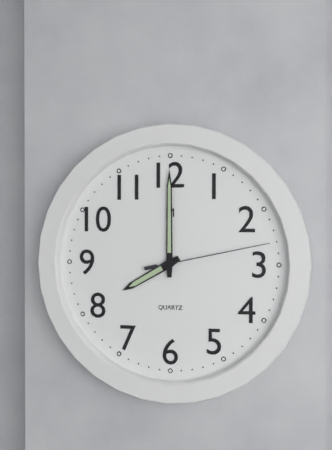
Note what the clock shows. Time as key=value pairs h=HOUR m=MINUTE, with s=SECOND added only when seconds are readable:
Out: h=8 m=0 s=13
